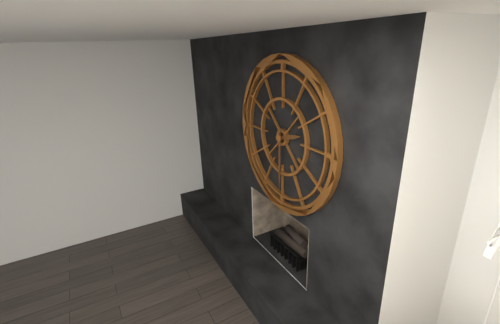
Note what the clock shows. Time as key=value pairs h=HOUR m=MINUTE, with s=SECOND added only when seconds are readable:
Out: h=2 m=30
